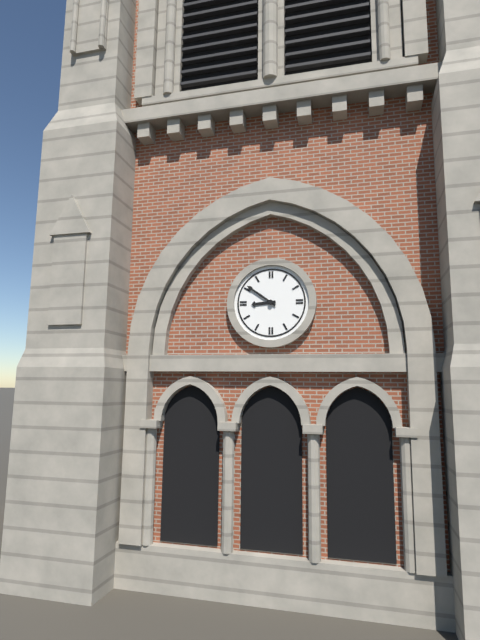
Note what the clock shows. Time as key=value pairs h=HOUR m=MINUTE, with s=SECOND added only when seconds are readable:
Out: h=8 m=51
